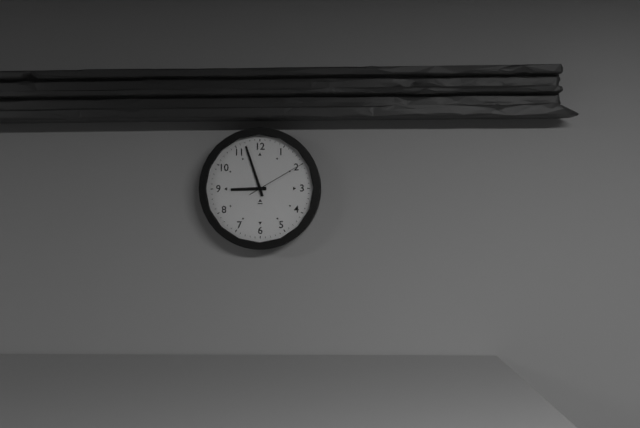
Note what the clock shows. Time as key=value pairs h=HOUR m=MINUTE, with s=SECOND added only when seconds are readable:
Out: h=8 m=57 s=10
